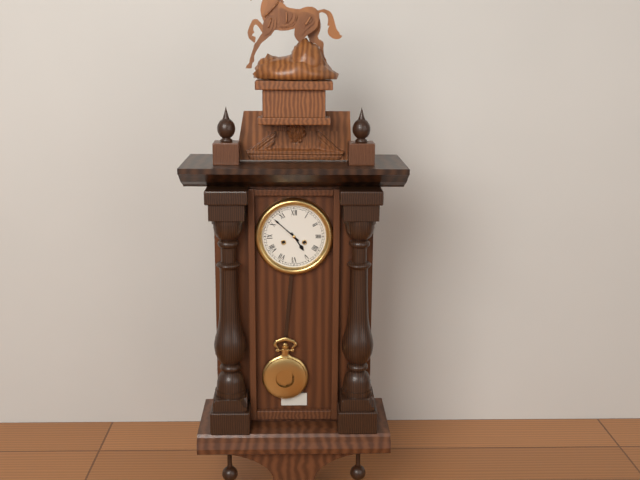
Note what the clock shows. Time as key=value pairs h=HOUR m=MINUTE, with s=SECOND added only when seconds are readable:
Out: h=4 m=52
